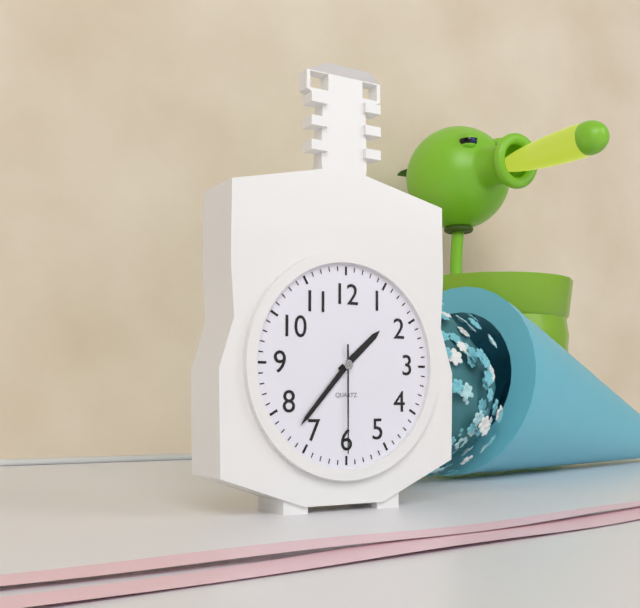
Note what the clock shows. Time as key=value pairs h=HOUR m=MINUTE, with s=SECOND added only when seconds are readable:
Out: h=1 m=37 s=30
